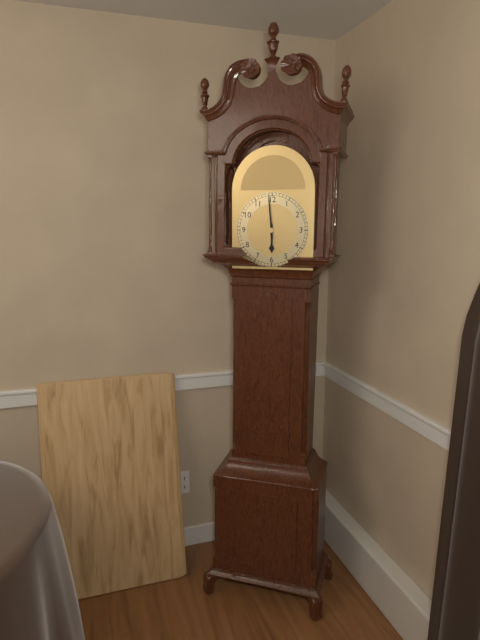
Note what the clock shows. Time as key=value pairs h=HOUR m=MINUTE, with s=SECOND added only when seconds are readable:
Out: h=5 m=59
